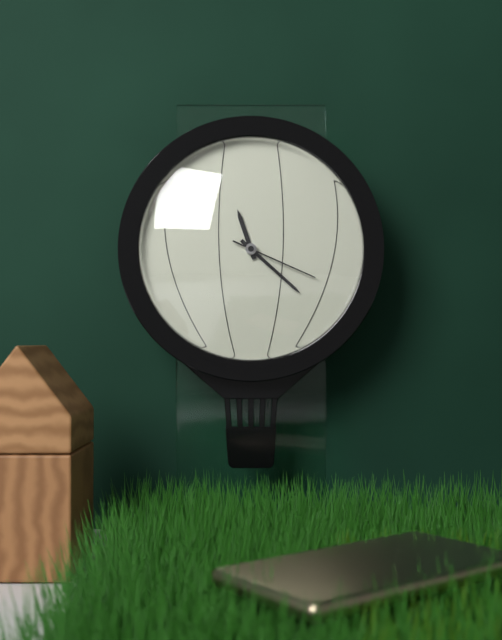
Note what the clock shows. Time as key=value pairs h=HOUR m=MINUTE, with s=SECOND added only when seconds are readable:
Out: h=11 m=22 s=19
